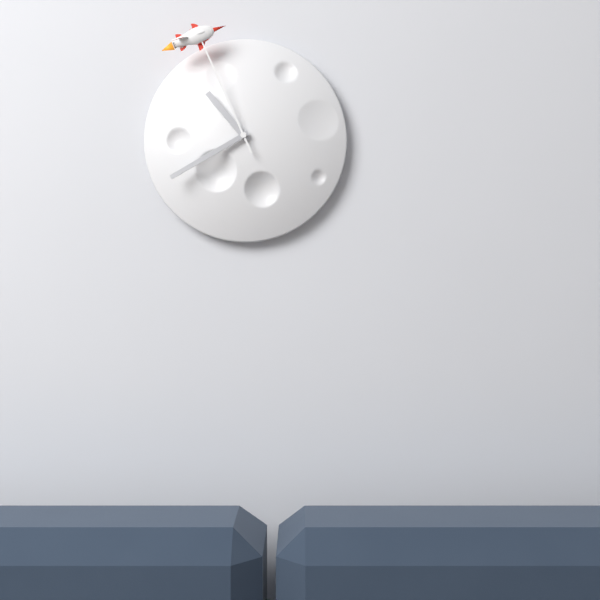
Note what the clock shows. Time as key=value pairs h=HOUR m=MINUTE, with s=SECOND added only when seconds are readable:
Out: h=10 m=40 s=56
